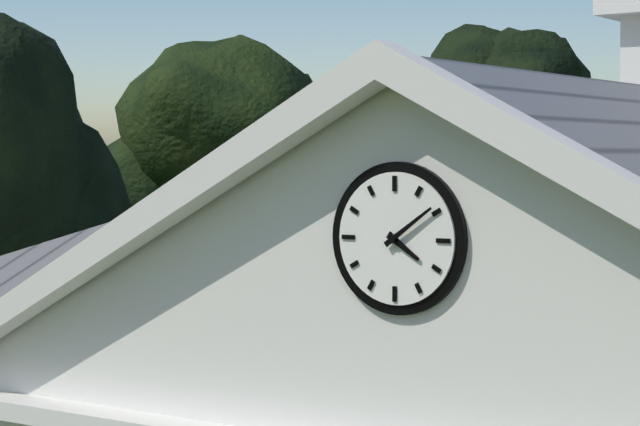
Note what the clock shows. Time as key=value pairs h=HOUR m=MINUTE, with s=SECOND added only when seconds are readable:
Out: h=4 m=9
